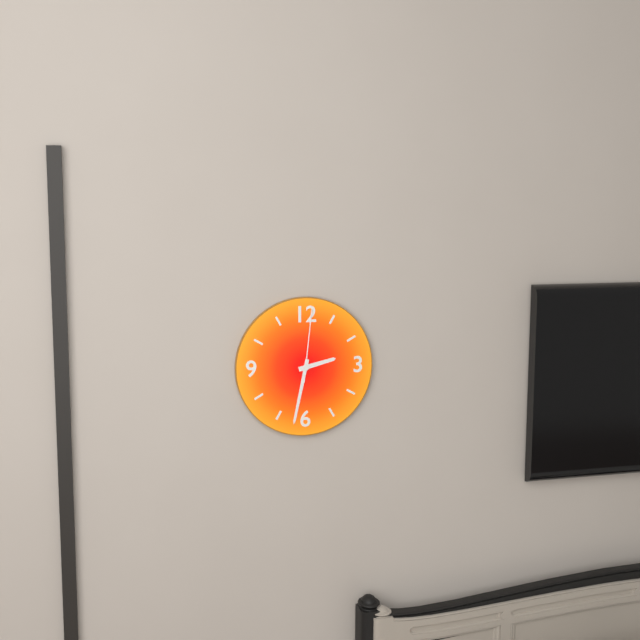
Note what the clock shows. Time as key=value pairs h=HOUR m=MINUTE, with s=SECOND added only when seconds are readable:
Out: h=2 m=32 s=1
